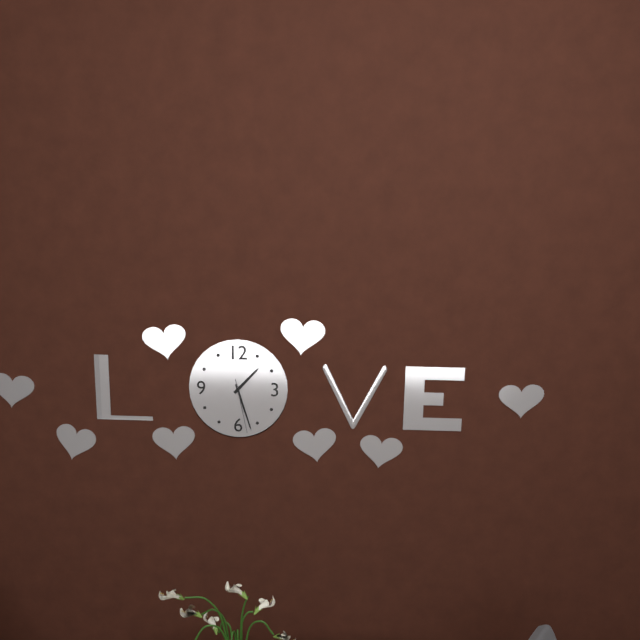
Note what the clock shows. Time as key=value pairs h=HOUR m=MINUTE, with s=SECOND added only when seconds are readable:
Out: h=1 m=27 s=28
